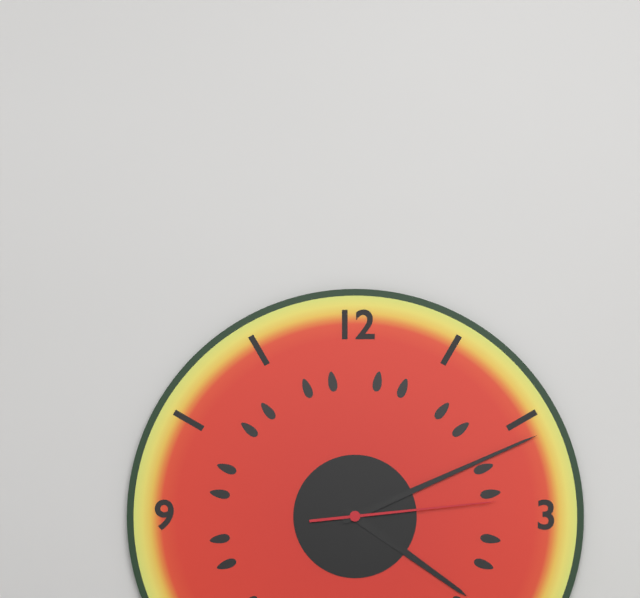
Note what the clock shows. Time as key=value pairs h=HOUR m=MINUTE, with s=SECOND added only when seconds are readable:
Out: h=4 m=11 s=14
